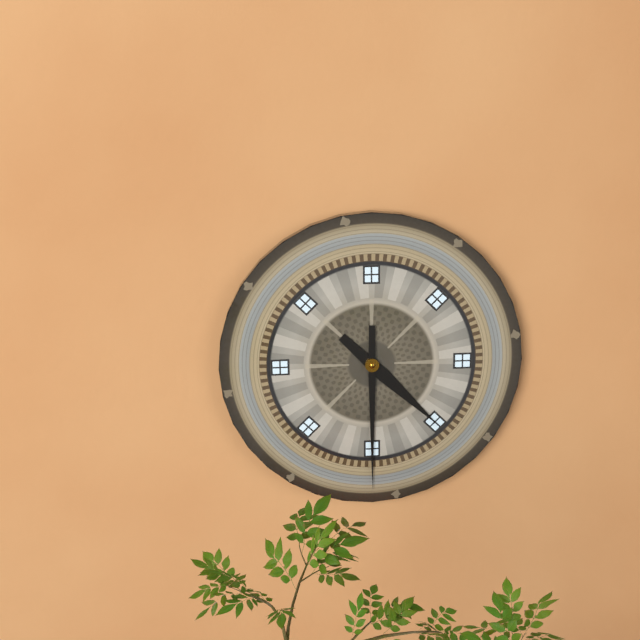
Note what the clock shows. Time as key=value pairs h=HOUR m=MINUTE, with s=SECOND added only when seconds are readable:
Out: h=4 m=30
